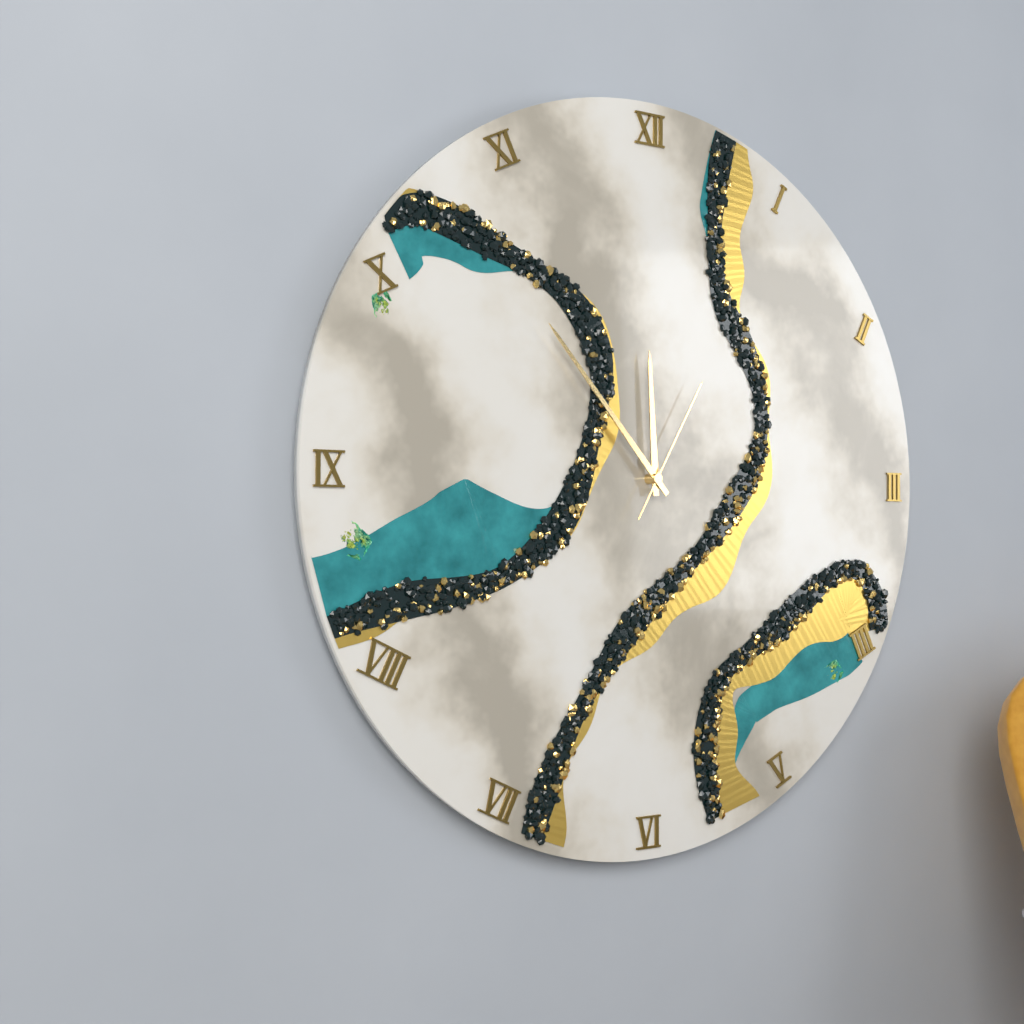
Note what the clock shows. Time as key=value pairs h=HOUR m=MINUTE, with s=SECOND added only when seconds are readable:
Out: h=11 m=53 s=5
